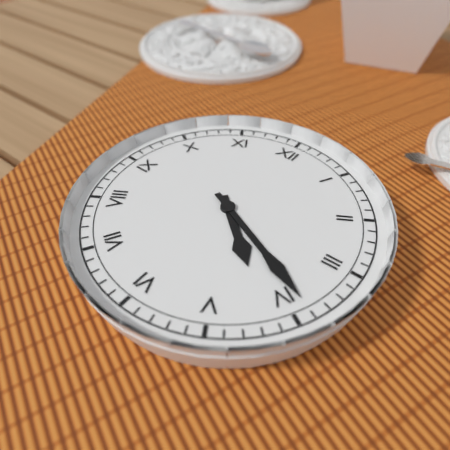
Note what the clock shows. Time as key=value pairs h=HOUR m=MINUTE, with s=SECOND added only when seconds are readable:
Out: h=4 m=19
